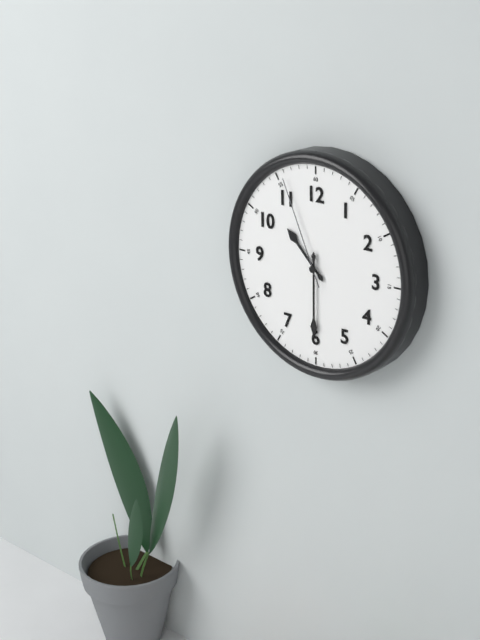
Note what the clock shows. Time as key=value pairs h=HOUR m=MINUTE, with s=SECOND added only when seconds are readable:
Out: h=10 m=30 s=56
